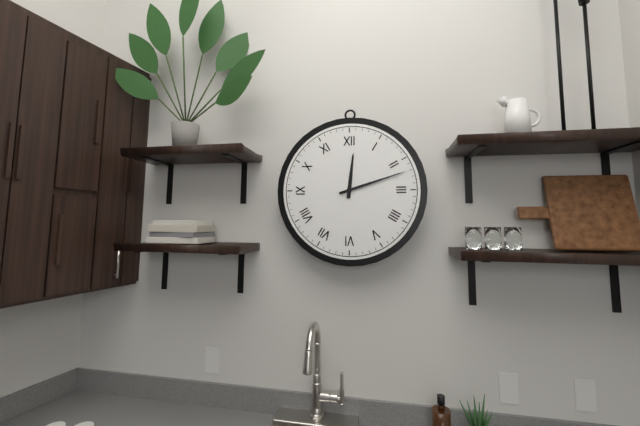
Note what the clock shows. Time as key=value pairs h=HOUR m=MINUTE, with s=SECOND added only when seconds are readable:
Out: h=12 m=12
